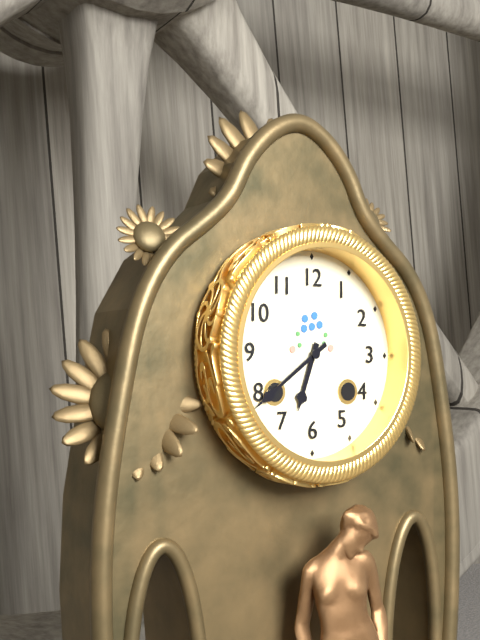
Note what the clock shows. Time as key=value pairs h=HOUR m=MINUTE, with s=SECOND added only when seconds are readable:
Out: h=6 m=39
